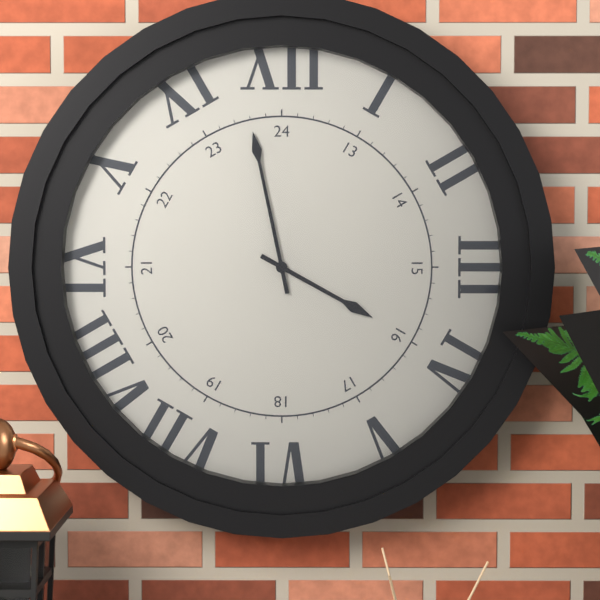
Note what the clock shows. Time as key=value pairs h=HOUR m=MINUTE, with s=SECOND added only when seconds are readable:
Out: h=3 m=58
